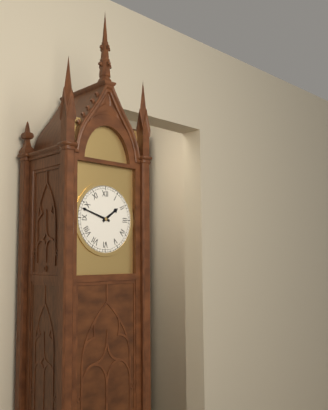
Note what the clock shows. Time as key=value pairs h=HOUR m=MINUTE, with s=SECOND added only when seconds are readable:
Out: h=1 m=48
